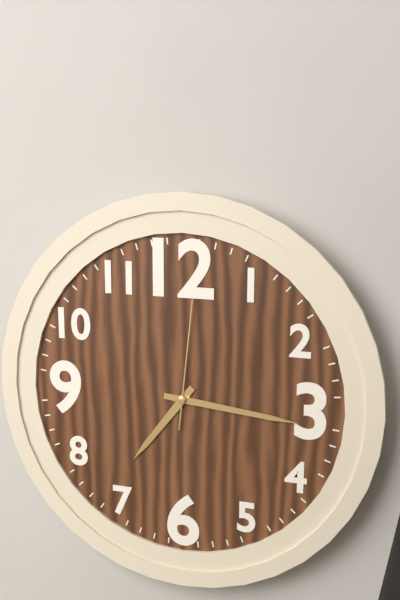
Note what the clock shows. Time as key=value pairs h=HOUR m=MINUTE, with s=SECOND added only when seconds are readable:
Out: h=7 m=16 s=1
